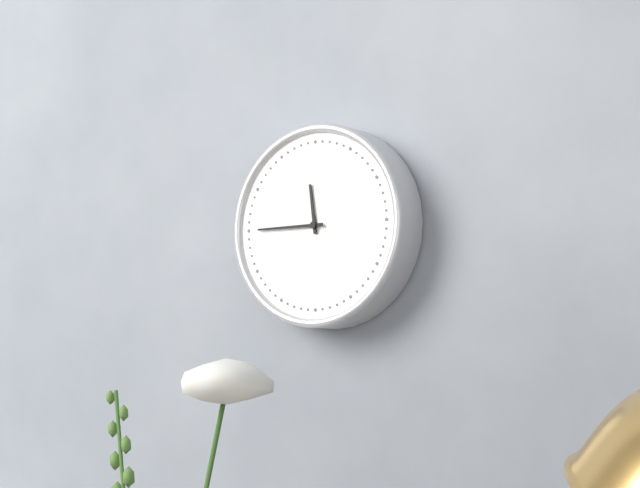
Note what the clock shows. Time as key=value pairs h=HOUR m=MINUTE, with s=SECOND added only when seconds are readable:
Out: h=11 m=45
